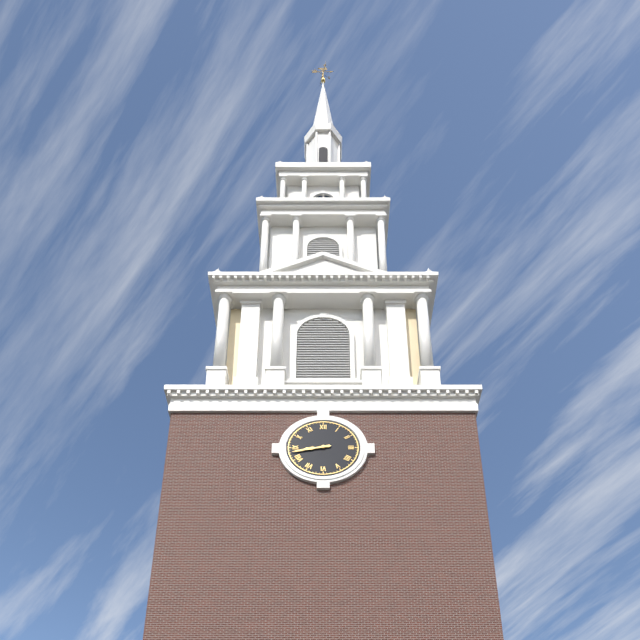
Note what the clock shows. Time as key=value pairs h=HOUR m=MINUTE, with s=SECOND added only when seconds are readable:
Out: h=8 m=43
